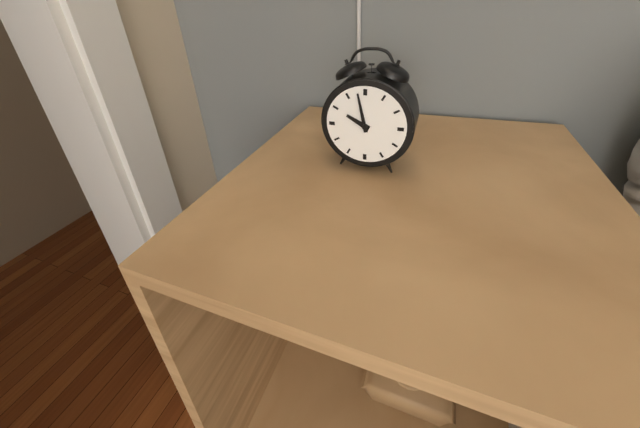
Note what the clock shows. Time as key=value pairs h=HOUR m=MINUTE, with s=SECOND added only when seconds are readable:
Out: h=9 m=58
